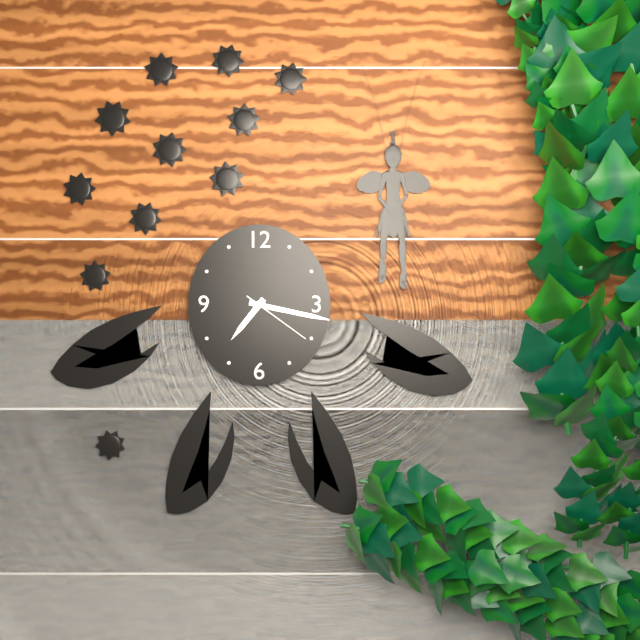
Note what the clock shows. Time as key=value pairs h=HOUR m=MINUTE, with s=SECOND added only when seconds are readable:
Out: h=7 m=17 s=21
